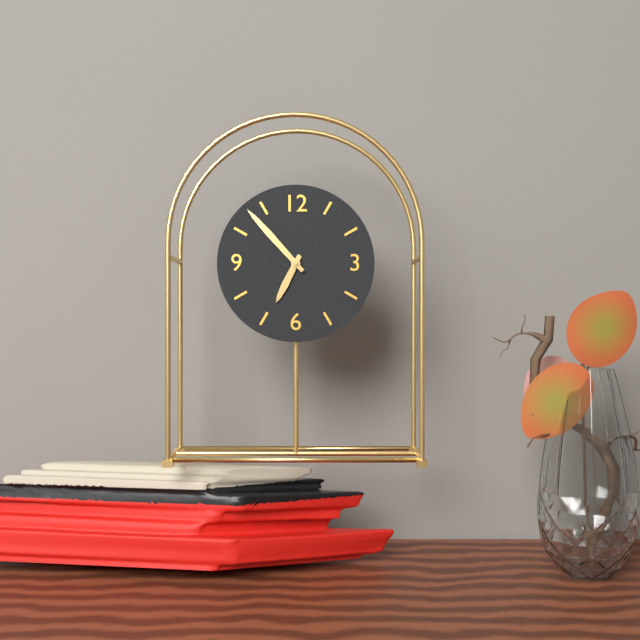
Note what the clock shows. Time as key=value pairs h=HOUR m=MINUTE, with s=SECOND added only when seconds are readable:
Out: h=6 m=53
